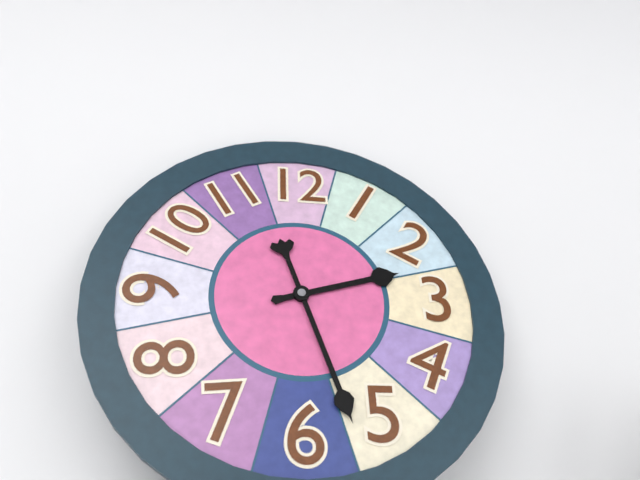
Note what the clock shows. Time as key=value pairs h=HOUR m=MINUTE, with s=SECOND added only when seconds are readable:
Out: h=2 m=27
